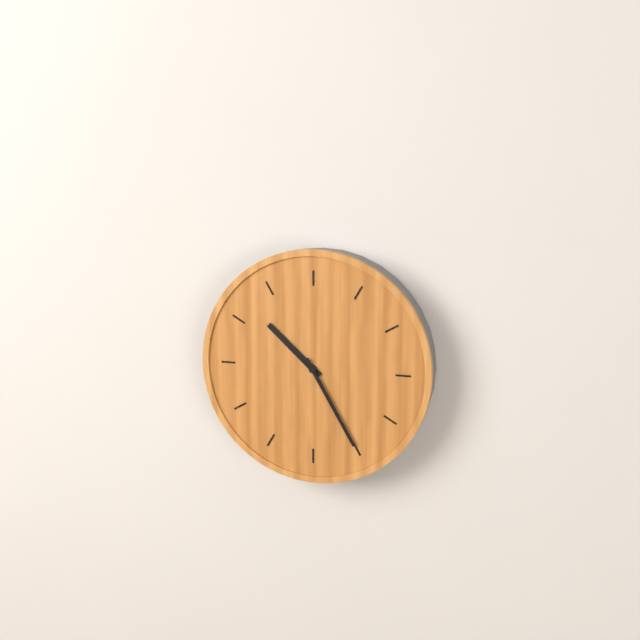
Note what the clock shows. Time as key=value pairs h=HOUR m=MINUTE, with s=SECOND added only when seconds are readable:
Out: h=10 m=25
